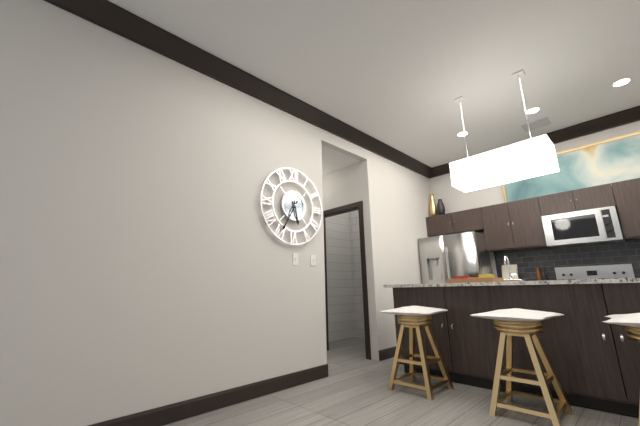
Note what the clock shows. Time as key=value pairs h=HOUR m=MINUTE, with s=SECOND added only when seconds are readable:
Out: h=5 m=35
